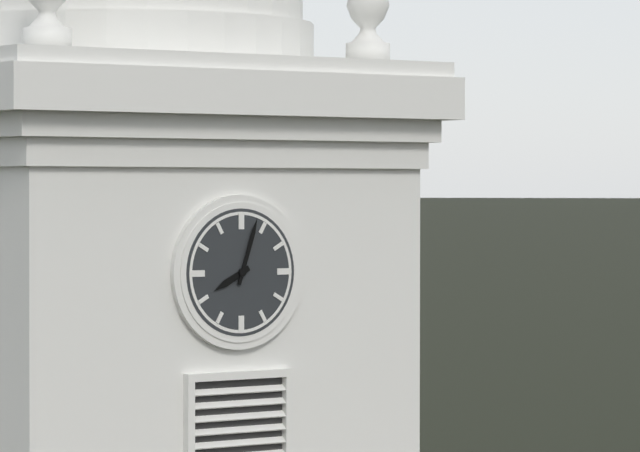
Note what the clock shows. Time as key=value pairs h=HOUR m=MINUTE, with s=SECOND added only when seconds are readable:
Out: h=8 m=3
